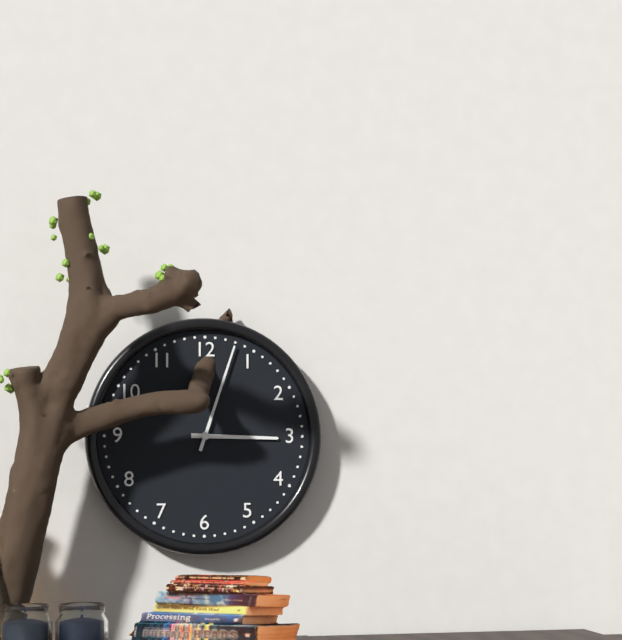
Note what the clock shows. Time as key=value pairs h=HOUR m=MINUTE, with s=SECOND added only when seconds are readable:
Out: h=3 m=3
